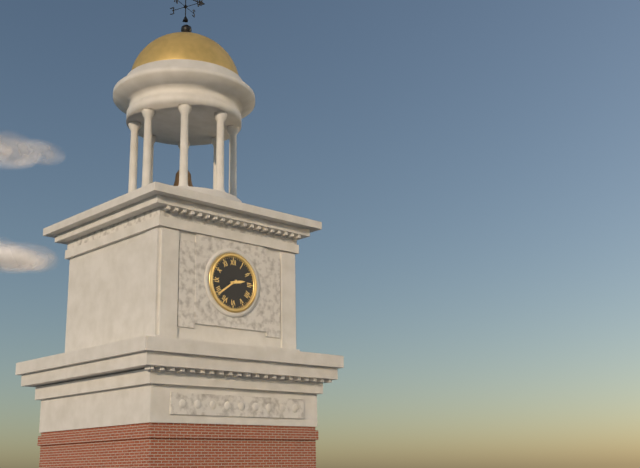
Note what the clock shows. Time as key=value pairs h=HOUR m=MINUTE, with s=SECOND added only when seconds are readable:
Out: h=2 m=39
